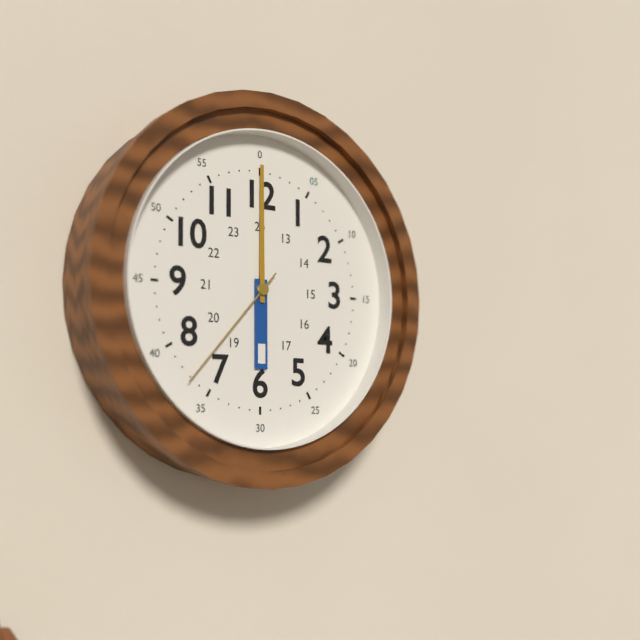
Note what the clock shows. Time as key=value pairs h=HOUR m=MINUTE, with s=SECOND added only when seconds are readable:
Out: h=6 m=0 s=37
